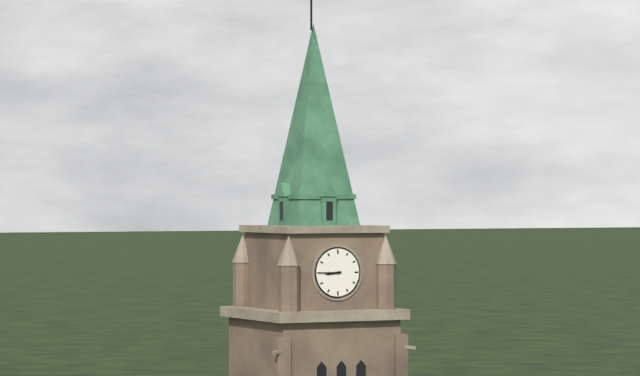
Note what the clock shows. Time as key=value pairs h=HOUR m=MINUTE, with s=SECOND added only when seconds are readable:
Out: h=8 m=45
